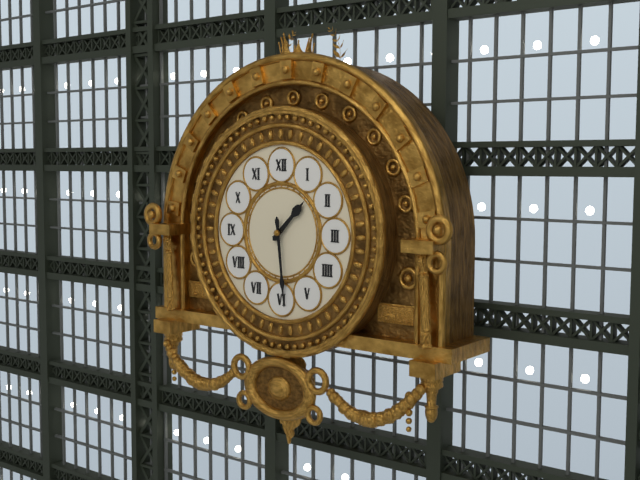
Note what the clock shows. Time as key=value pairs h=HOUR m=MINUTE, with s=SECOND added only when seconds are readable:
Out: h=1 m=29
